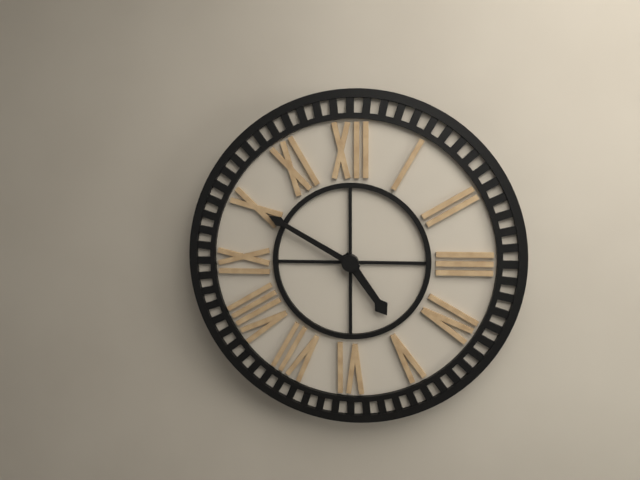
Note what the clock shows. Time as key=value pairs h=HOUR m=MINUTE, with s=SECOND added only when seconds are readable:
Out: h=4 m=50
